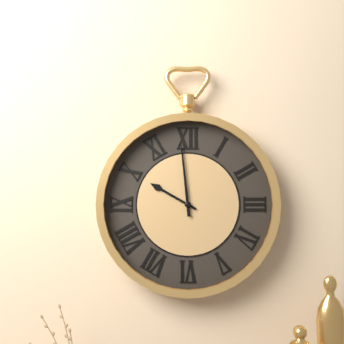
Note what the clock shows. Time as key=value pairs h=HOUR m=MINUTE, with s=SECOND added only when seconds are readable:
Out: h=9 m=59
